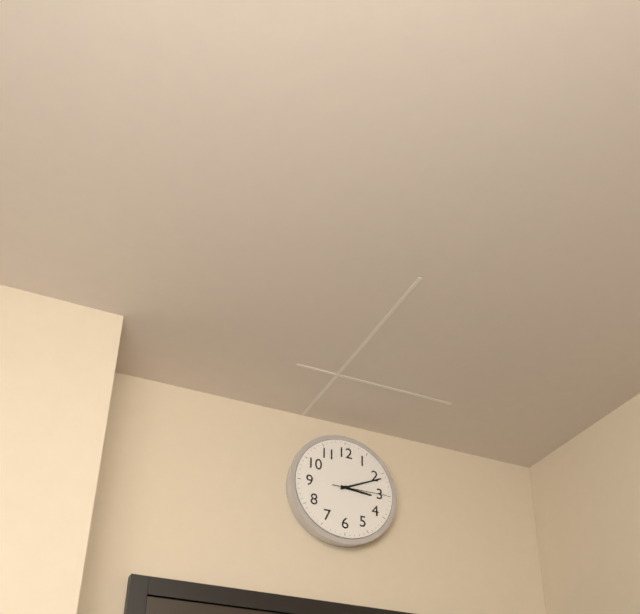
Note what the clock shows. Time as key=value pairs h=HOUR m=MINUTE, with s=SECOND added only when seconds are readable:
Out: h=3 m=11 s=15
